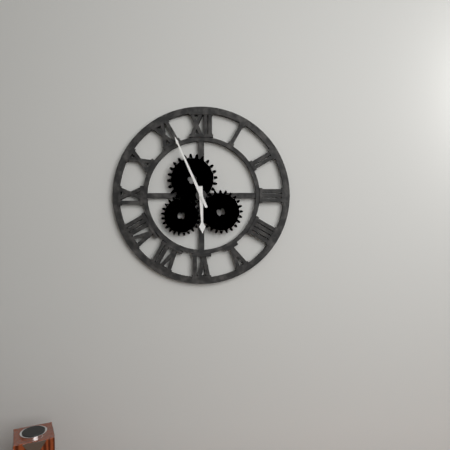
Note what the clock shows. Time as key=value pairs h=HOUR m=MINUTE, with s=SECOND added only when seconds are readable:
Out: h=5 m=56
